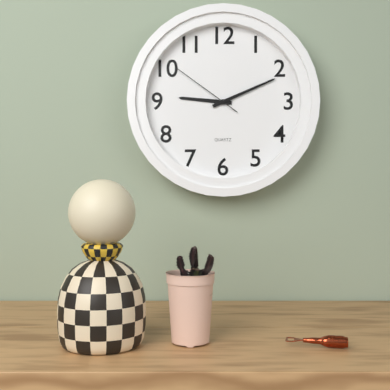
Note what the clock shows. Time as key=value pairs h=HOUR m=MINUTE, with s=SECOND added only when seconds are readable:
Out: h=9 m=11 s=51
